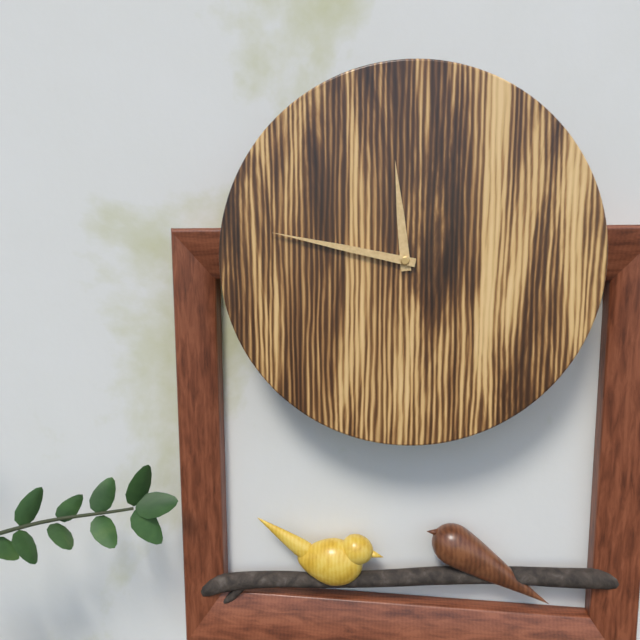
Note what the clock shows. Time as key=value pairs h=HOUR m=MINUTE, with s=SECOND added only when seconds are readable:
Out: h=11 m=47
